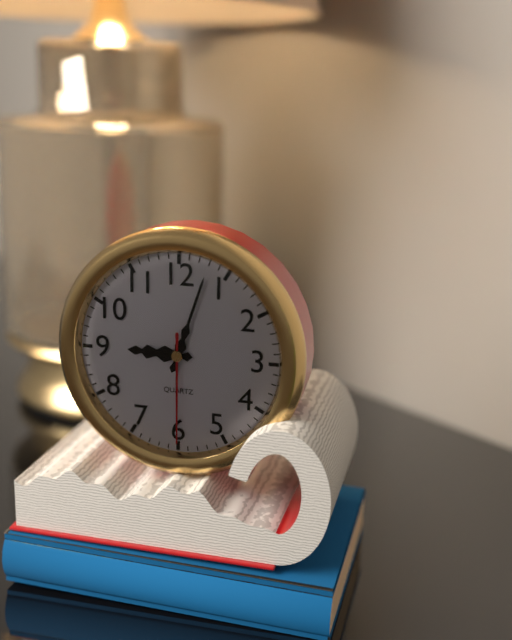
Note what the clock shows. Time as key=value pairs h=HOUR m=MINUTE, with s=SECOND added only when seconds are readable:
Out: h=9 m=3 s=30
